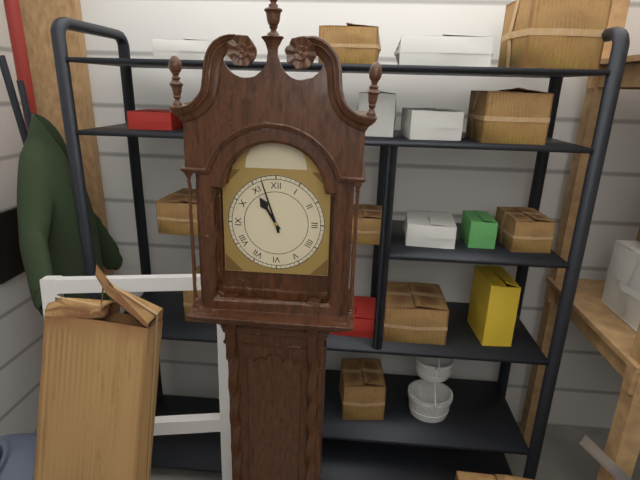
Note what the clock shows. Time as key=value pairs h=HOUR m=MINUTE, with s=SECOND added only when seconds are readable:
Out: h=10 m=57
